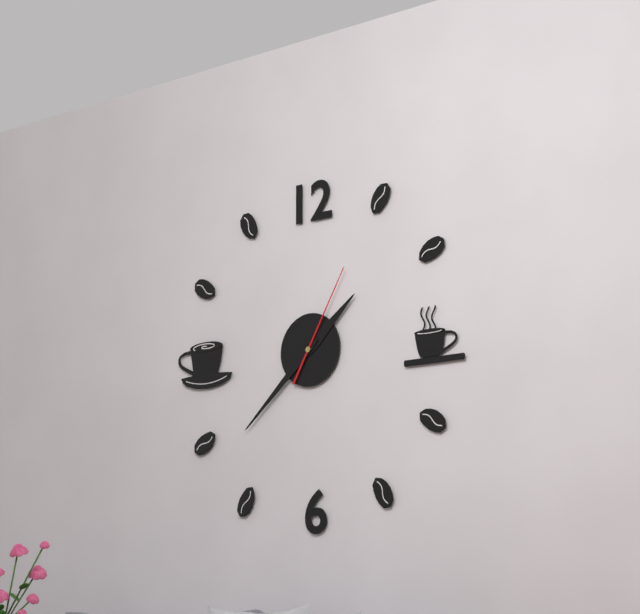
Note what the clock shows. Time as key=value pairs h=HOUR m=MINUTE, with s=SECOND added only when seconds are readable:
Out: h=1 m=38 s=5
